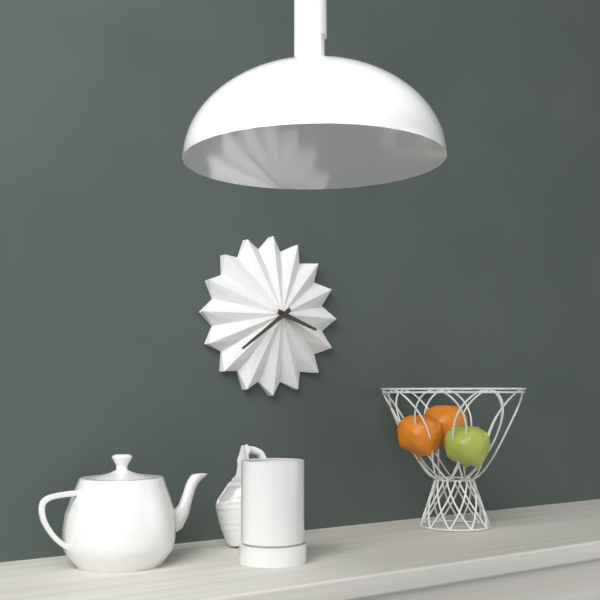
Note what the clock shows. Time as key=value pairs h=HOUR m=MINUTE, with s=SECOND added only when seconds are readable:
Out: h=3 m=39
